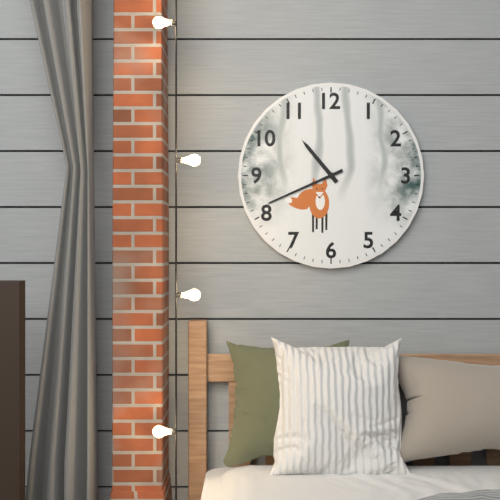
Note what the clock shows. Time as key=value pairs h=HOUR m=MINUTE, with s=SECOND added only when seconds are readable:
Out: h=10 m=41
